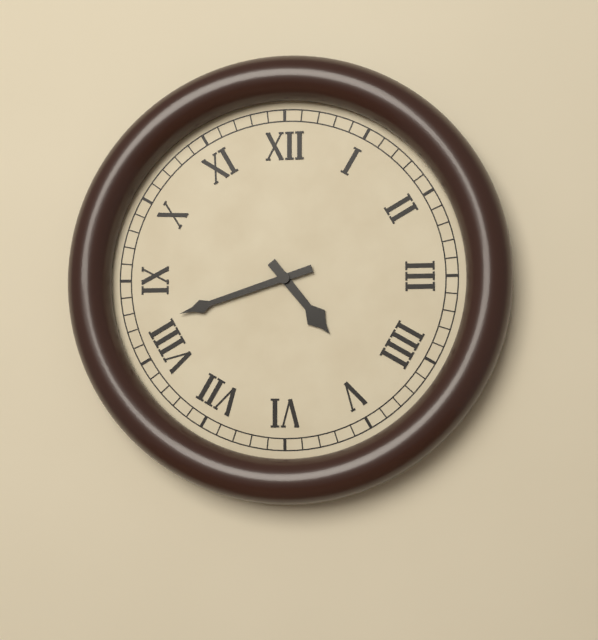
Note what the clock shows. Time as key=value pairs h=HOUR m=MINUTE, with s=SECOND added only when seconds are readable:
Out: h=4 m=42
